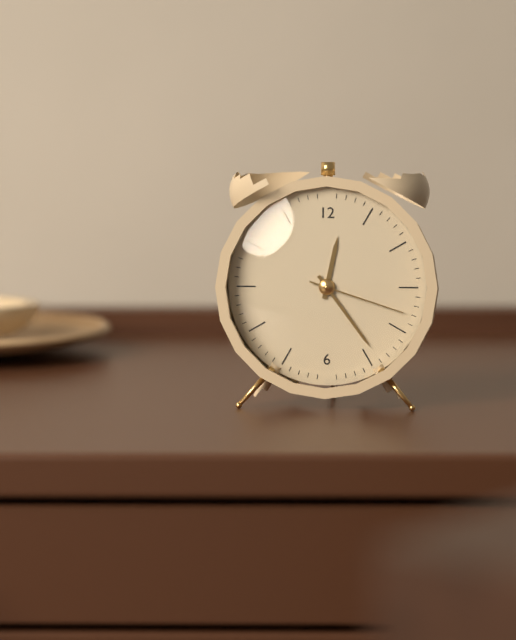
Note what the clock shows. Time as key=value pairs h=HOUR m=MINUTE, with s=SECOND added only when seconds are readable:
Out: h=12 m=24 s=18
